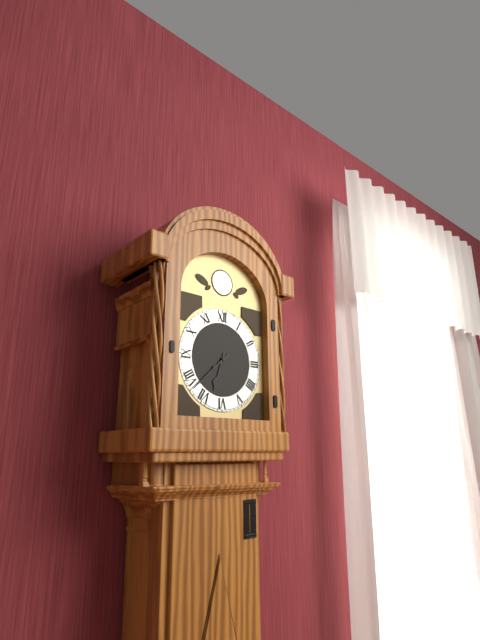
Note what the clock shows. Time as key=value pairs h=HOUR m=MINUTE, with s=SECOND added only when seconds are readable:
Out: h=6 m=38
